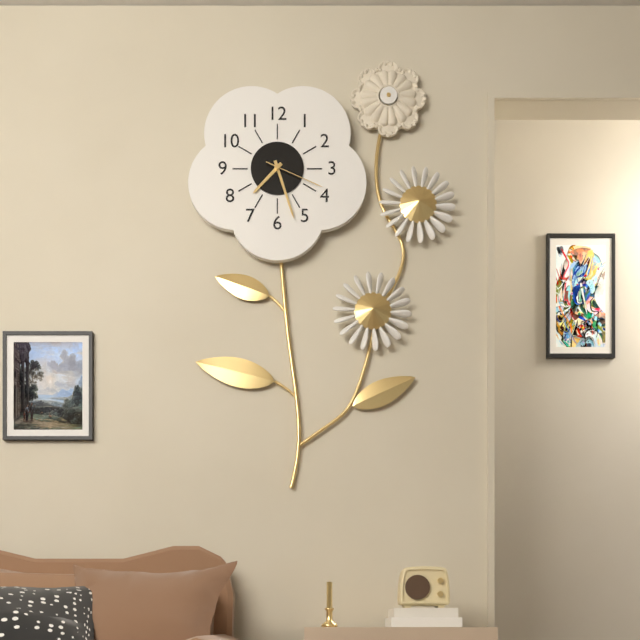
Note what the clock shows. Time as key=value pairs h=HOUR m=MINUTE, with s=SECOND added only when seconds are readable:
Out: h=7 m=27 s=19
